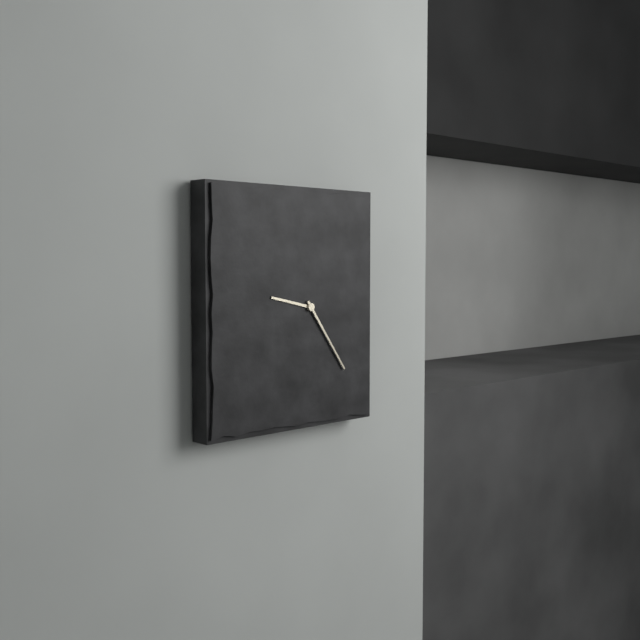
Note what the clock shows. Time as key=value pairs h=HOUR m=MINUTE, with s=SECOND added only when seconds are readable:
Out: h=9 m=24
